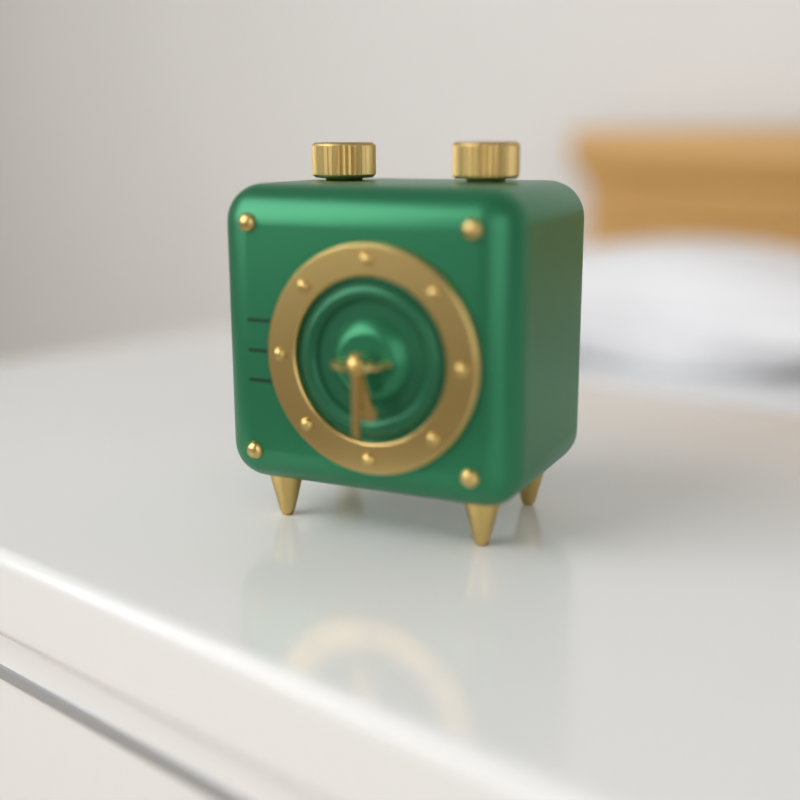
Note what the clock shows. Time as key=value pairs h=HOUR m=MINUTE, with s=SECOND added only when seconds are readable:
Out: h=5 m=30
